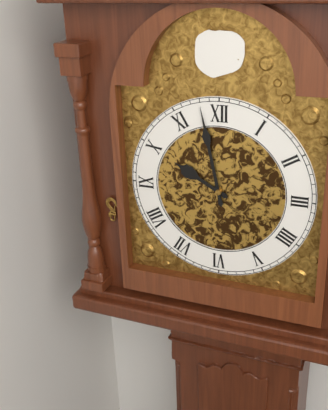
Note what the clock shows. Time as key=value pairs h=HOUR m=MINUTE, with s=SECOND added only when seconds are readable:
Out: h=9 m=58
